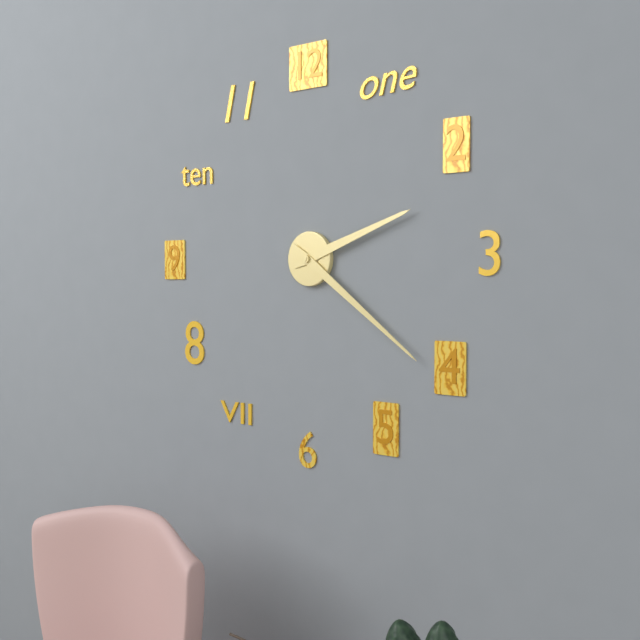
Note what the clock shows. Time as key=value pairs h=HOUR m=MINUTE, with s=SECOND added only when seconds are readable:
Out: h=2 m=21
